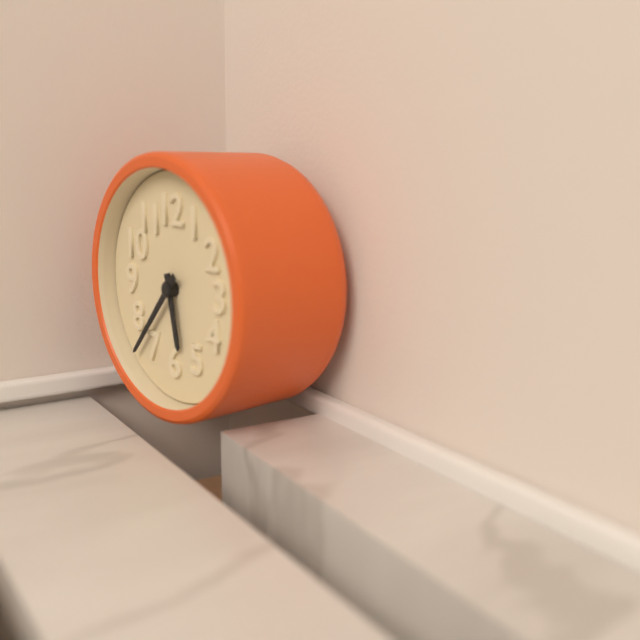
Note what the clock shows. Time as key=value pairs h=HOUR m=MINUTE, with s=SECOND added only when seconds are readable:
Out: h=5 m=37
